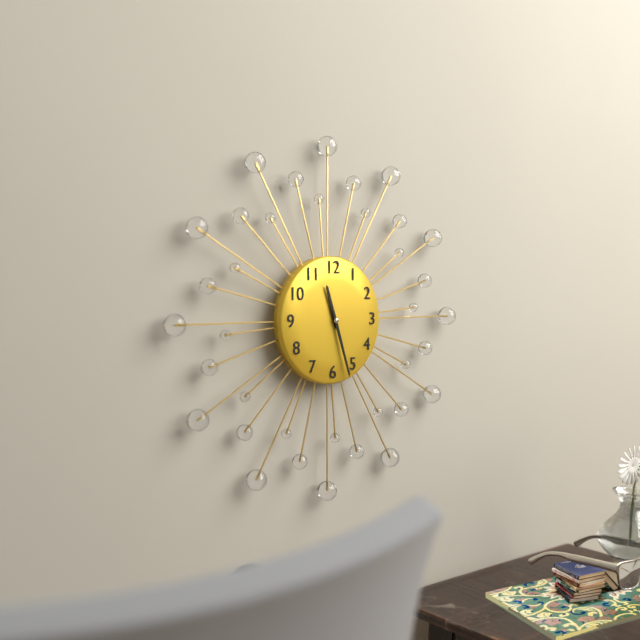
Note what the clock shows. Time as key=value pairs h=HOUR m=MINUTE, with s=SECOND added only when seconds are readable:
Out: h=11 m=27
